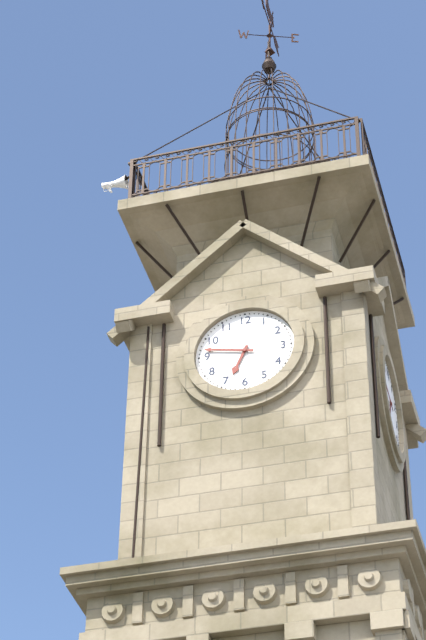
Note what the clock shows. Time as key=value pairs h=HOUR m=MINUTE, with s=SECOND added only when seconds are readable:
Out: h=6 m=47
